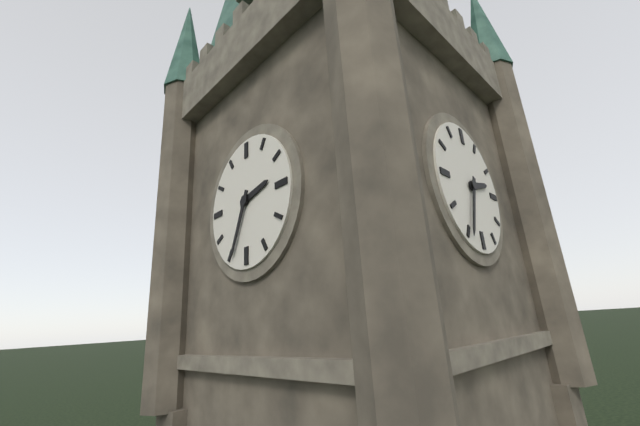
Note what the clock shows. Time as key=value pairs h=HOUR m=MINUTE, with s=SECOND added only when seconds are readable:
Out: h=2 m=34
